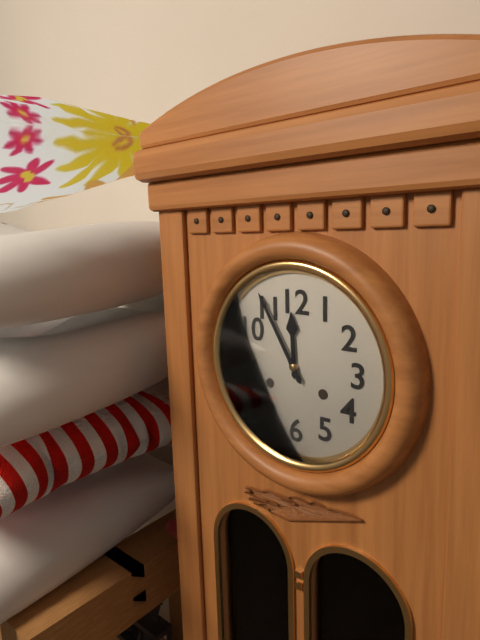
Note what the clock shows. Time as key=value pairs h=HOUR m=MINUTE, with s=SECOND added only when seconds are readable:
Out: h=11 m=55
